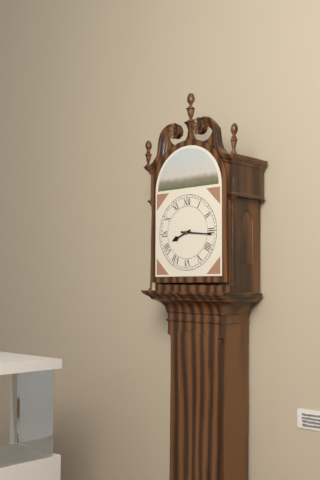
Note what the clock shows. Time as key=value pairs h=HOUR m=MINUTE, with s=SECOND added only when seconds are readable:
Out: h=8 m=16
